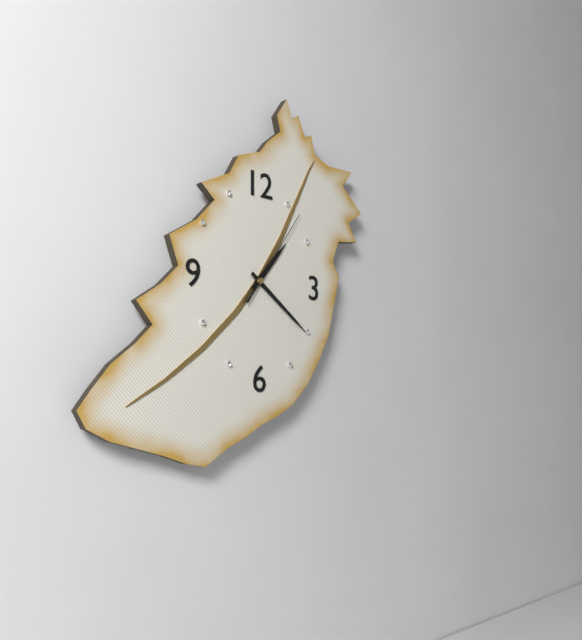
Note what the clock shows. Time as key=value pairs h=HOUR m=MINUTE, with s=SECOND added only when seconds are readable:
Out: h=1 m=21 s=6
